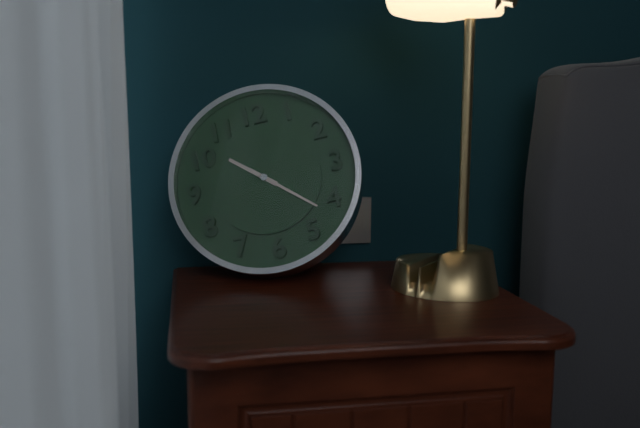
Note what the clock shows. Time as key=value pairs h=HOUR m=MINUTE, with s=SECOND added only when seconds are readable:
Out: h=10 m=22
